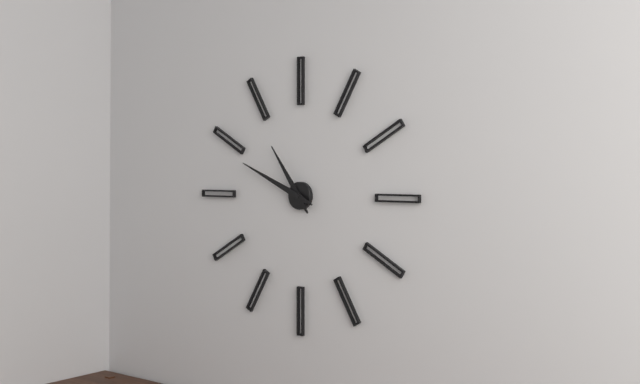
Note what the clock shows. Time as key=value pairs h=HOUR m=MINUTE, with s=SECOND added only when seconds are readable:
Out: h=10 m=49
